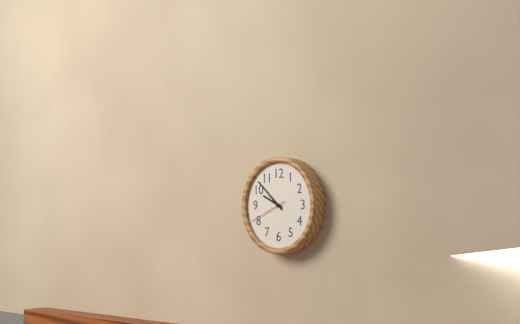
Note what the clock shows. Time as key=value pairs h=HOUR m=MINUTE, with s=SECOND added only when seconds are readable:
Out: h=9 m=52
